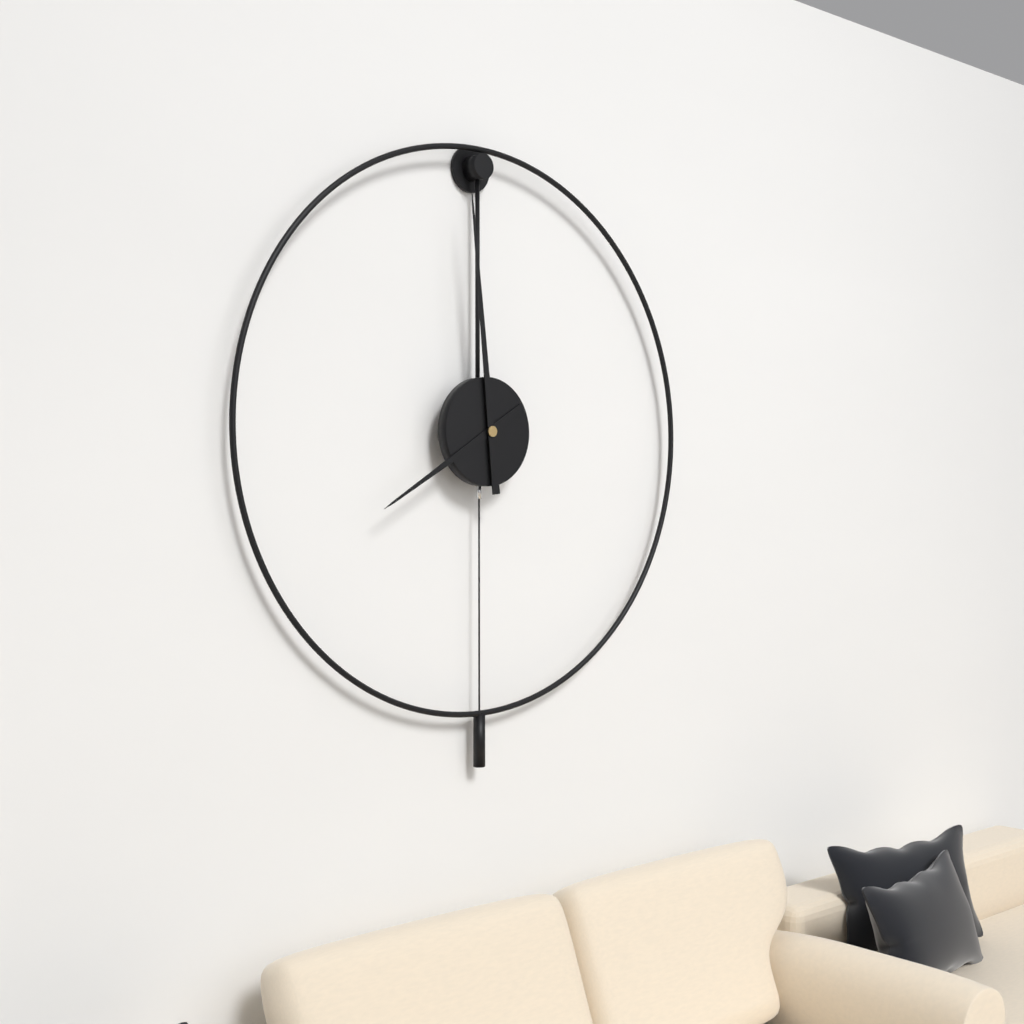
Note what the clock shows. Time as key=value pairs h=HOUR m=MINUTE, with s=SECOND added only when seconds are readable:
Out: h=7 m=59
